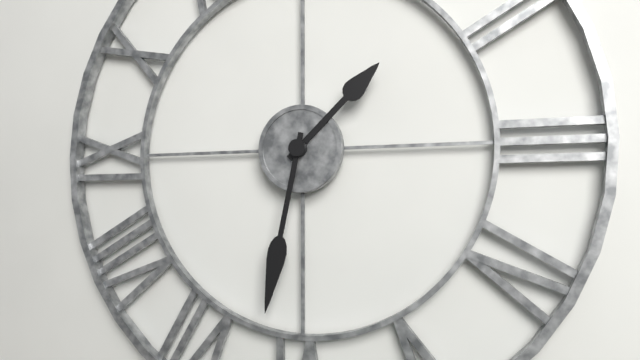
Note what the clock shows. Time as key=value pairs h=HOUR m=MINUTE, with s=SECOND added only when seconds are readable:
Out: h=1 m=32
